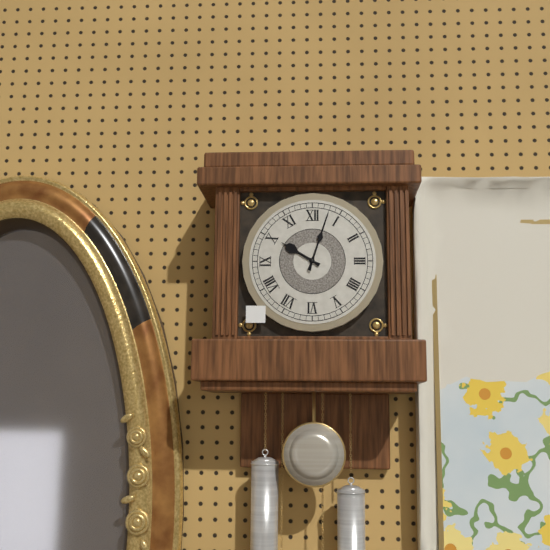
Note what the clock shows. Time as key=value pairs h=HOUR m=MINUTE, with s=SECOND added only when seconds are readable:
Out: h=10 m=3
